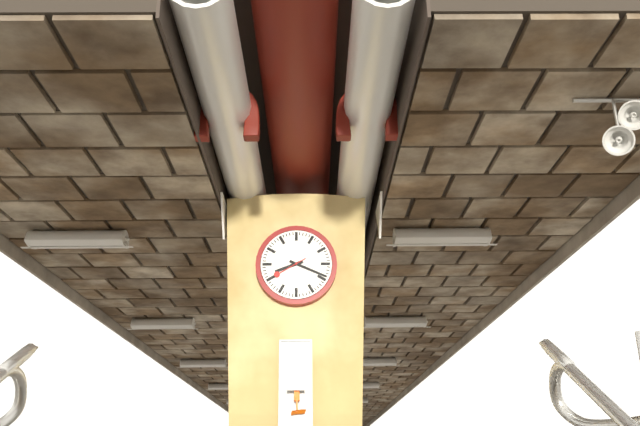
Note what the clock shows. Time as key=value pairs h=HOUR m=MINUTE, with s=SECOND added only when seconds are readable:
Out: h=8 m=19
